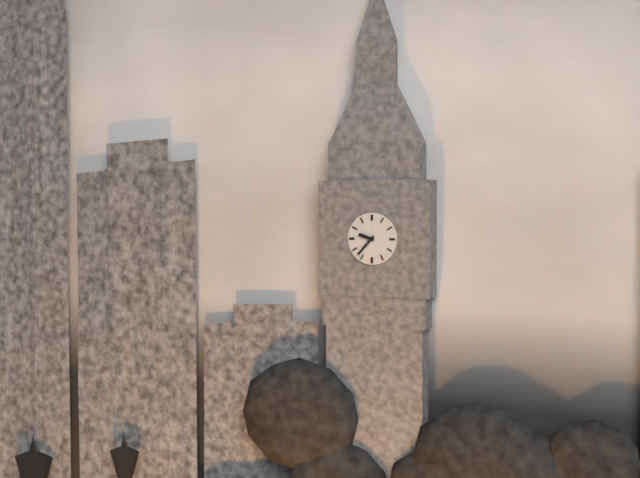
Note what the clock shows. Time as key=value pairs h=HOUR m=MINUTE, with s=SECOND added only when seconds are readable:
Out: h=9 m=37
